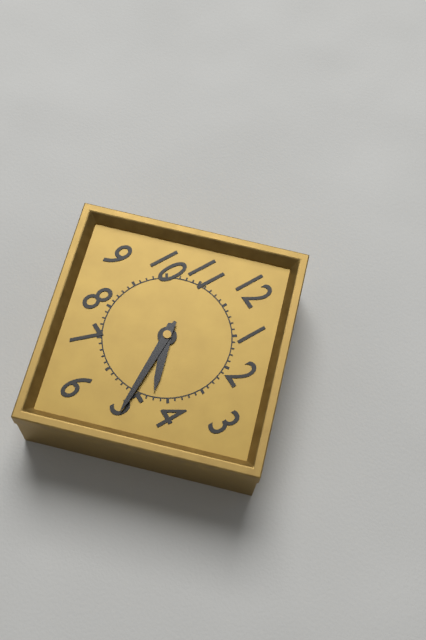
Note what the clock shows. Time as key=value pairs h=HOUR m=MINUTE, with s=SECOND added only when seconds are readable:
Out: h=4 m=25
